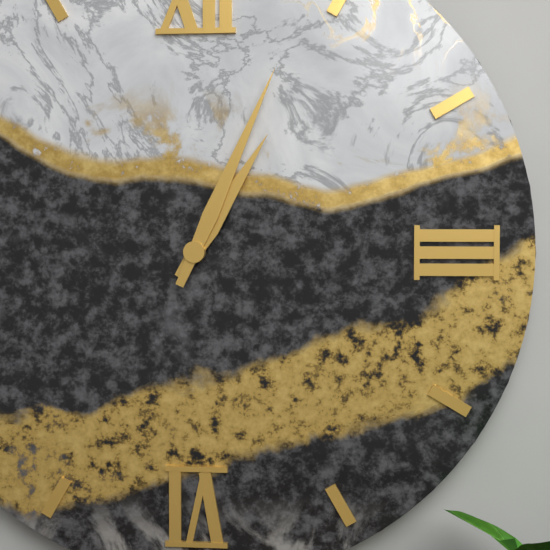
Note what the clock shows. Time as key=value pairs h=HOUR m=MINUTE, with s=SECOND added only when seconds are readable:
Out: h=1 m=4
